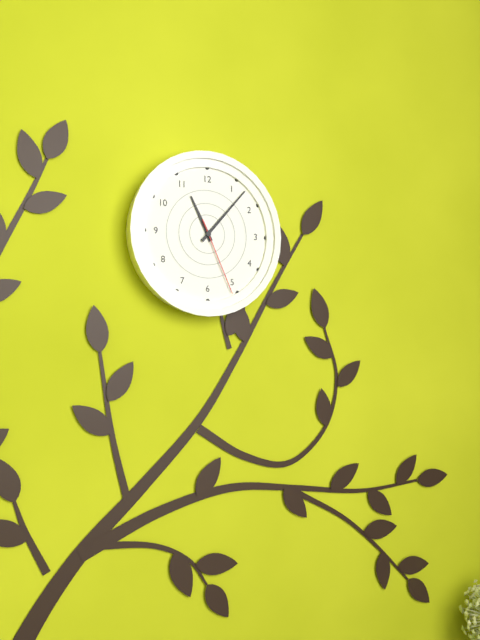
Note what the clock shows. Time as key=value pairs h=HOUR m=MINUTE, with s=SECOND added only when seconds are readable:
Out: h=11 m=7 s=26
